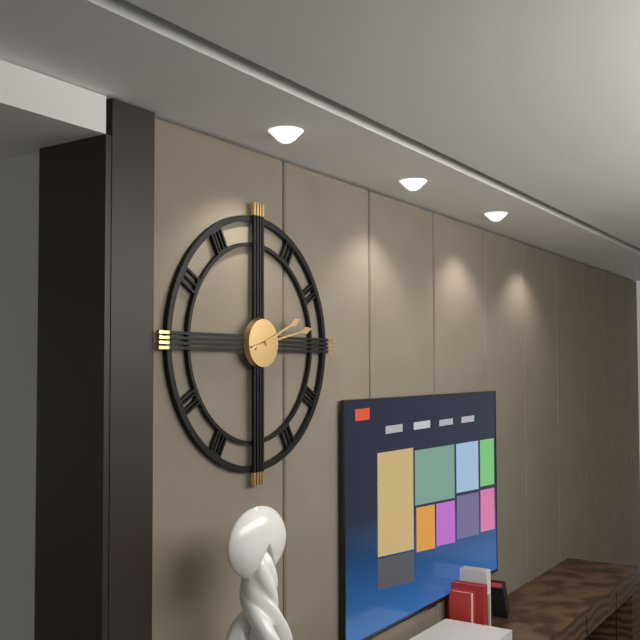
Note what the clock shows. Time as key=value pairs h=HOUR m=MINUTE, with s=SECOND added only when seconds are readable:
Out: h=2 m=13
